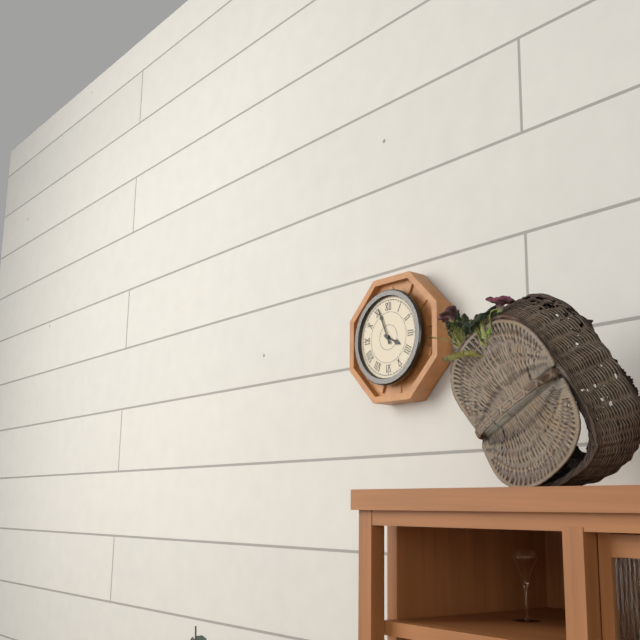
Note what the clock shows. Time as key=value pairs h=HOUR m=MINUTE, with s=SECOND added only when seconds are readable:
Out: h=3 m=56
